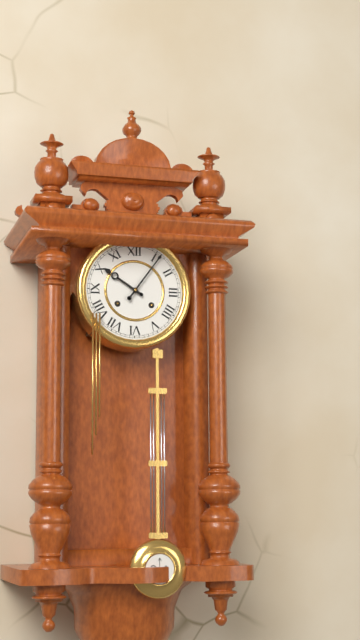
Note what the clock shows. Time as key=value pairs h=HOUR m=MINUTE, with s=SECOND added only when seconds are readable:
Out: h=10 m=6
